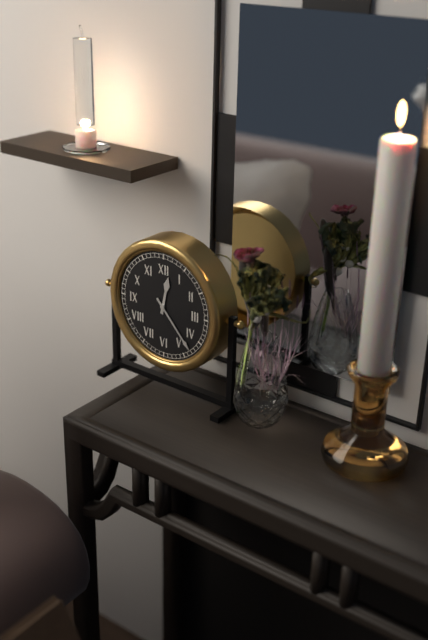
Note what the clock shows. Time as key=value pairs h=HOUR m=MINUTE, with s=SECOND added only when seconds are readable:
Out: h=12 m=23
